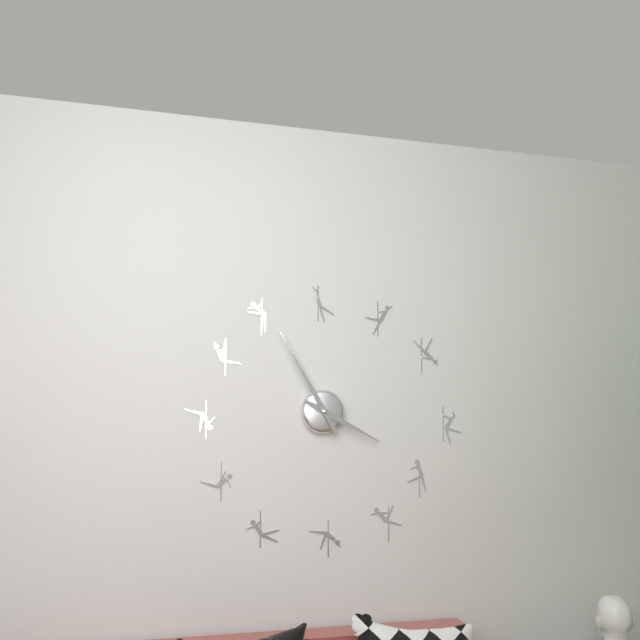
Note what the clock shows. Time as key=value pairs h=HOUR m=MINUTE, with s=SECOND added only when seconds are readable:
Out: h=3 m=55
